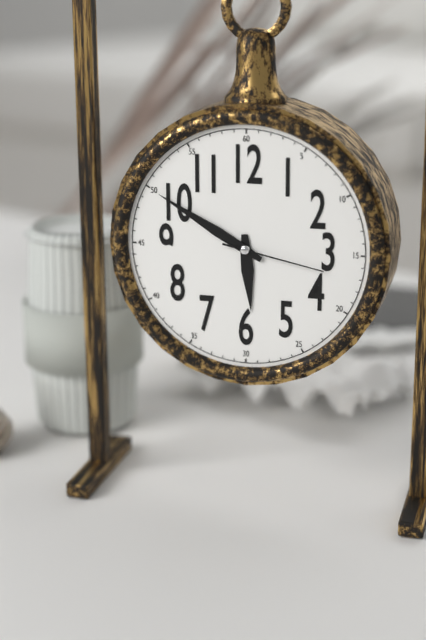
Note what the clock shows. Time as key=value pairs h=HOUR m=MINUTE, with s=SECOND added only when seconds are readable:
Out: h=5 m=50 s=17
